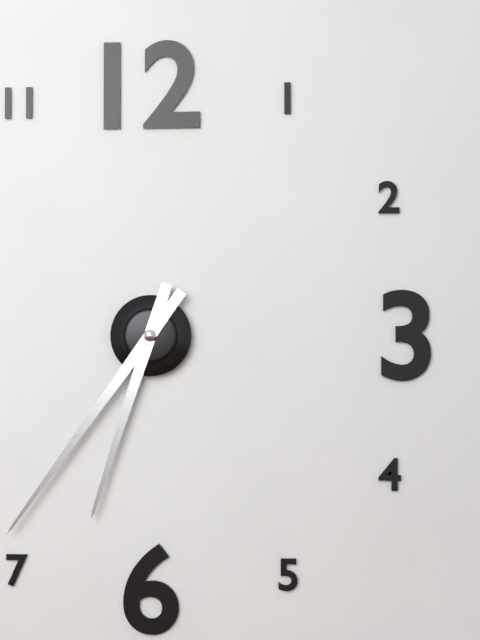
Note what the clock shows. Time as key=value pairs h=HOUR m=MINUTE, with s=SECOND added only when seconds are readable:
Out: h=6 m=36
